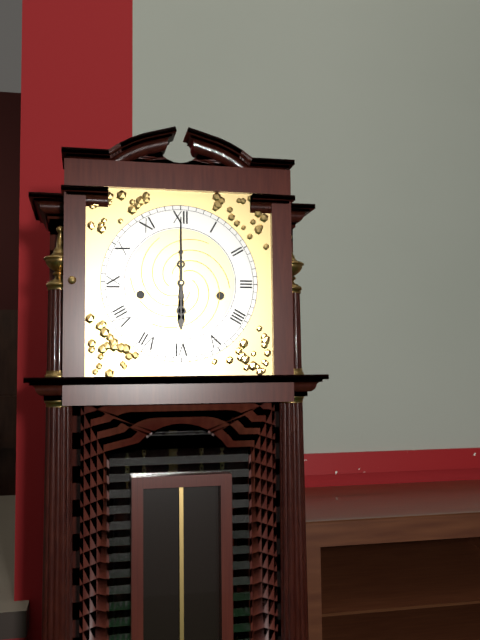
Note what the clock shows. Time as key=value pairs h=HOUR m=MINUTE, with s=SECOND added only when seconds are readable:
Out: h=6 m=0
